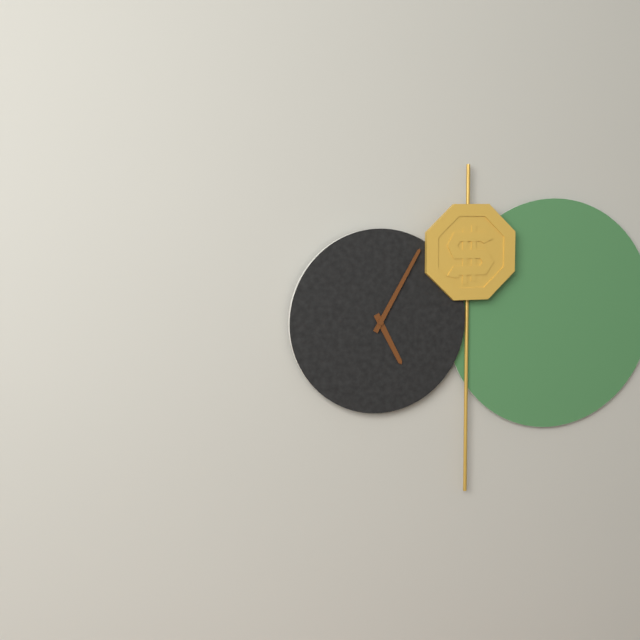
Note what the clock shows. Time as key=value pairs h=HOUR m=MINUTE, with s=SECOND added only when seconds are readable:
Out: h=5 m=5
